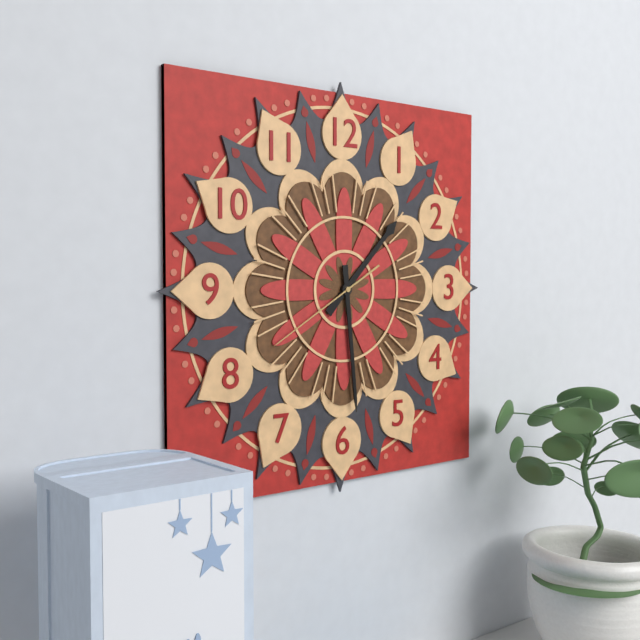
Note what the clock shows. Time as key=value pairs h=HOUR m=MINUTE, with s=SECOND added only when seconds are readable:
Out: h=1 m=29 s=40
